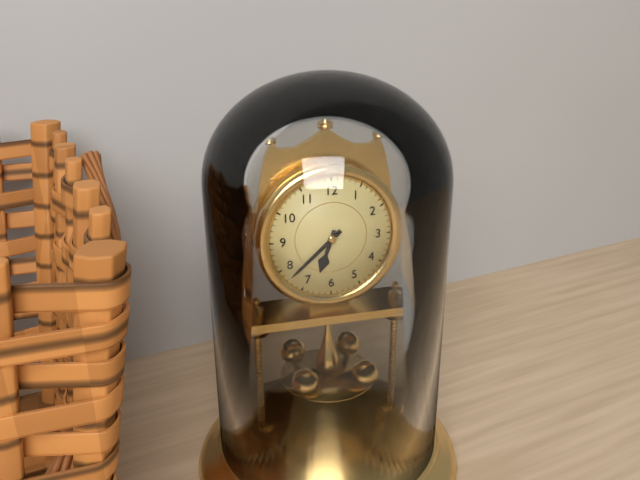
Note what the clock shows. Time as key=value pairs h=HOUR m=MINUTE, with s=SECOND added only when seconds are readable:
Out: h=6 m=38
